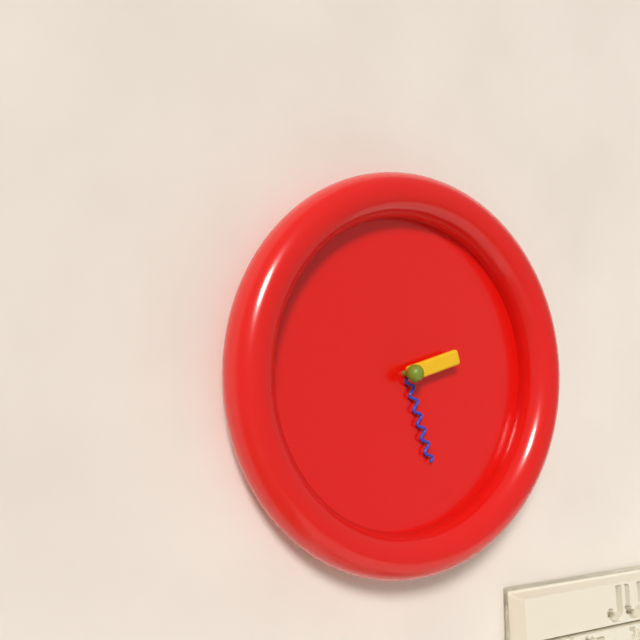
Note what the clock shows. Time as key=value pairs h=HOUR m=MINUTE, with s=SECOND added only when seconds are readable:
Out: h=2 m=27
